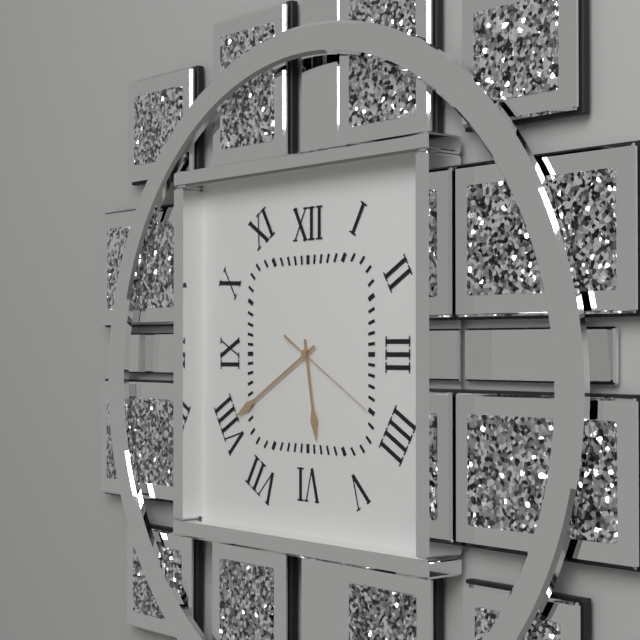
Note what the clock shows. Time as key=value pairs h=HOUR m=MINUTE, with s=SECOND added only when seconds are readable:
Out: h=5 m=40 s=20
